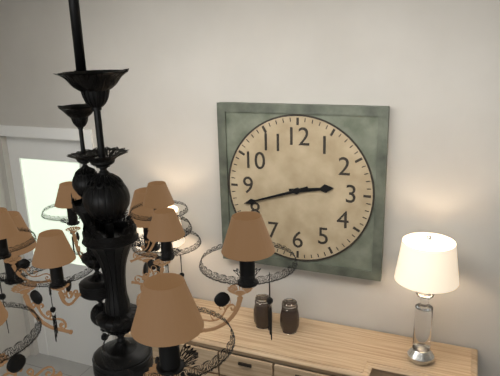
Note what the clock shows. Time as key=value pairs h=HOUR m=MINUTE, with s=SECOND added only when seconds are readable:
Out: h=2 m=42
